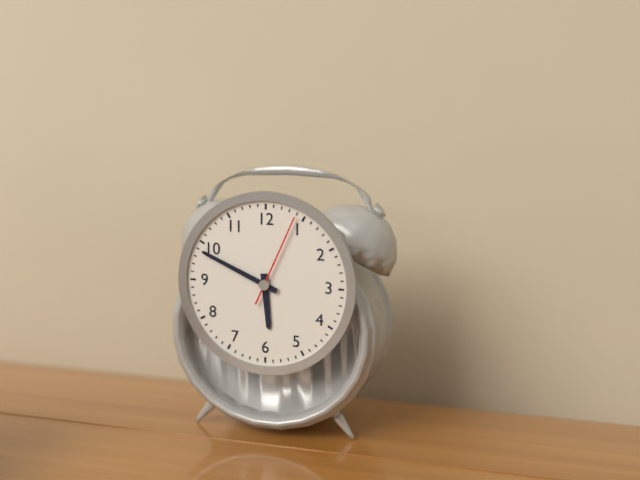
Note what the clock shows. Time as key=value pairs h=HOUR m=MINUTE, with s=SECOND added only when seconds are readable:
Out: h=5 m=49 s=4
